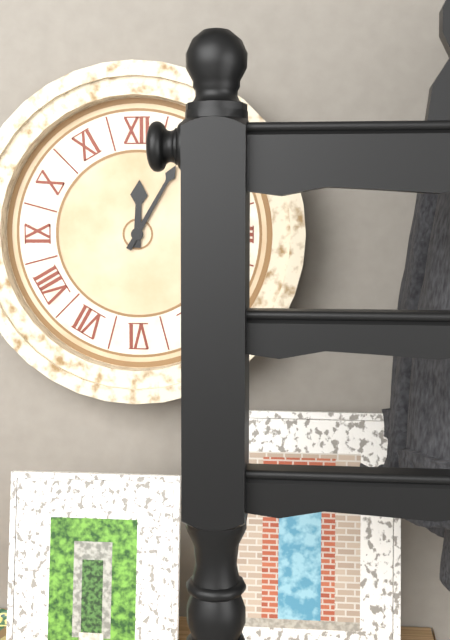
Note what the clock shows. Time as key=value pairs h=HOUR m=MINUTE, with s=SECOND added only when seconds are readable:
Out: h=12 m=5
